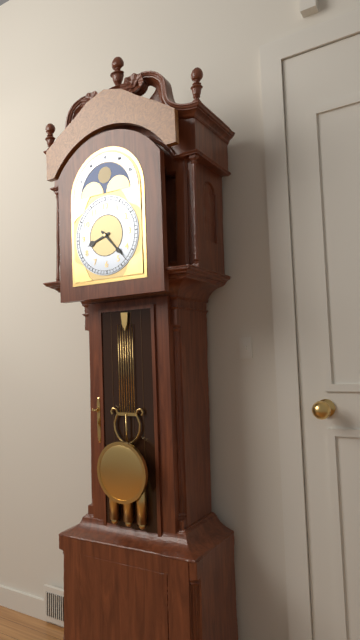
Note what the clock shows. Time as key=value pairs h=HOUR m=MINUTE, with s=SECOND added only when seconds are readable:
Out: h=8 m=23
